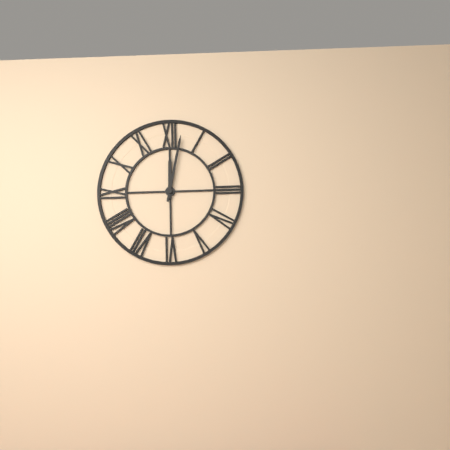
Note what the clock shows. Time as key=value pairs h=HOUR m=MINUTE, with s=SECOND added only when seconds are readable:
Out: h=12 m=2
